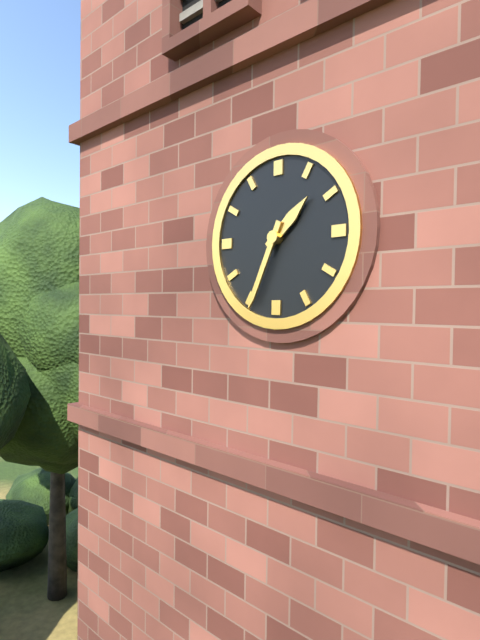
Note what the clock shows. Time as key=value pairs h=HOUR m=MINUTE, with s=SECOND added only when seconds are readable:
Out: h=1 m=34
